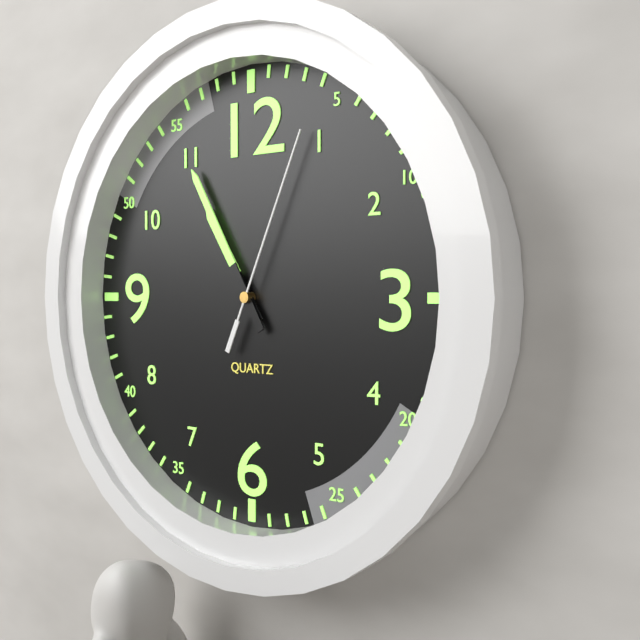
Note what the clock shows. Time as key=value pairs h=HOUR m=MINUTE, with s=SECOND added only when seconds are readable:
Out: h=10 m=55 s=4
